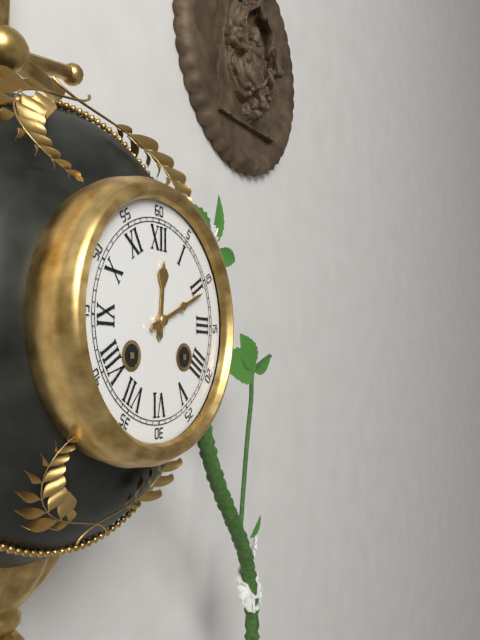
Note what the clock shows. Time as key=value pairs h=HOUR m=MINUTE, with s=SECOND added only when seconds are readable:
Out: h=12 m=11
